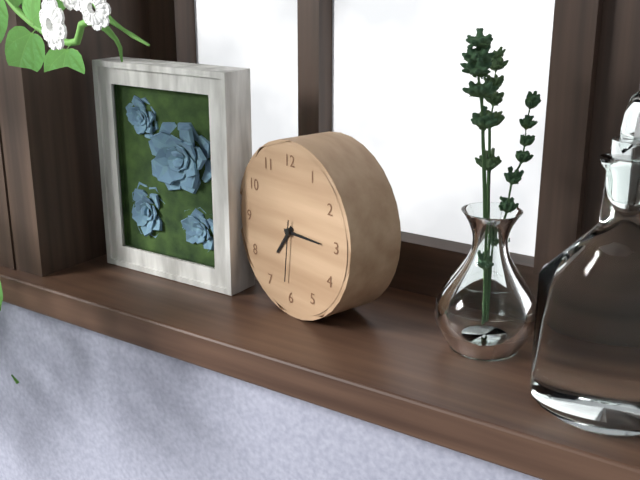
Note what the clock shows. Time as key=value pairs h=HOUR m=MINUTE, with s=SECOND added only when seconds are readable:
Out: h=7 m=15 s=31
